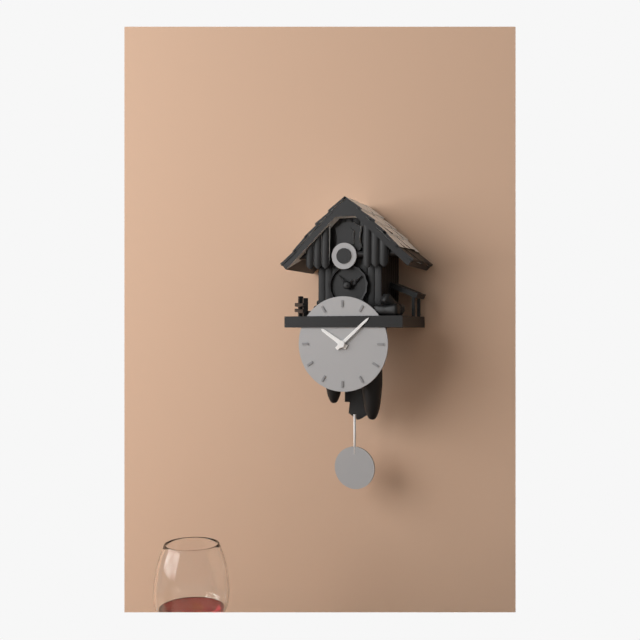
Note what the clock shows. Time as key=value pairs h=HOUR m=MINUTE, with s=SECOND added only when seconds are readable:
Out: h=10 m=8
